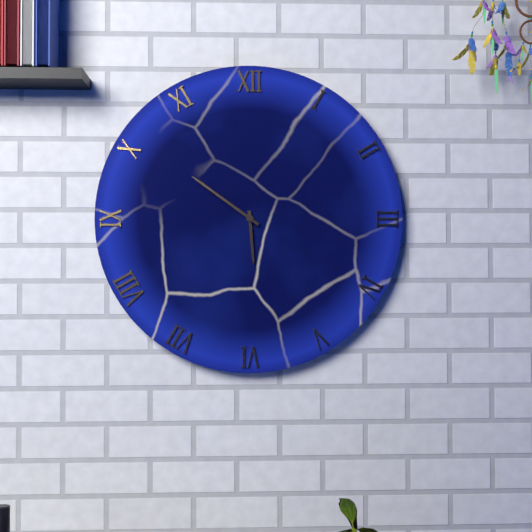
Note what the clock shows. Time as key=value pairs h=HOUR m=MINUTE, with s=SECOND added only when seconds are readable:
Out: h=5 m=51
